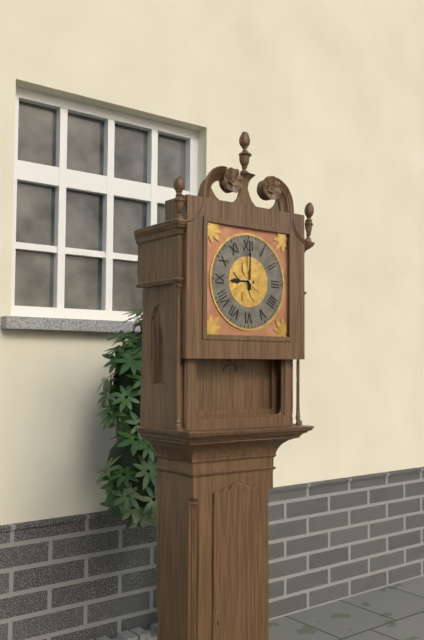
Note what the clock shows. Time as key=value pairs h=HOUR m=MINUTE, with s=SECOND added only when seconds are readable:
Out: h=9 m=0
